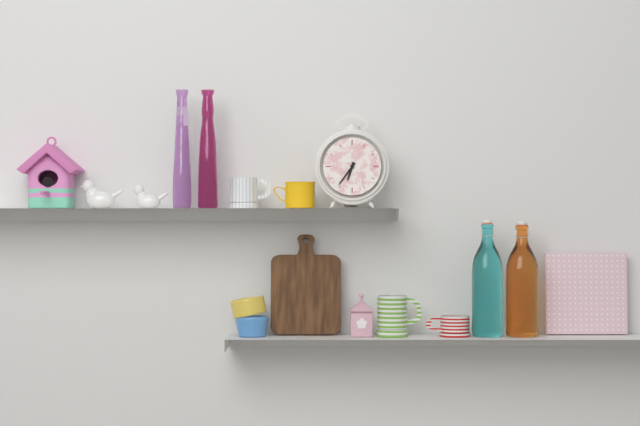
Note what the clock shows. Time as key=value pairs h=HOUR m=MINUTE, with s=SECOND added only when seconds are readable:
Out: h=6 m=36
